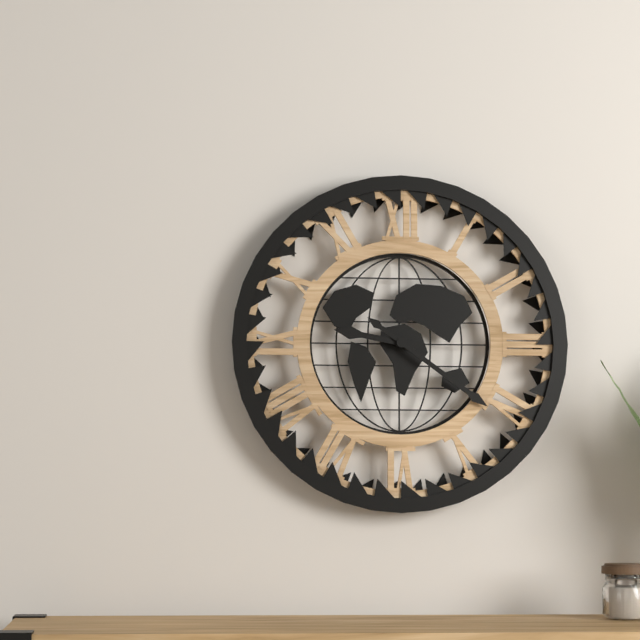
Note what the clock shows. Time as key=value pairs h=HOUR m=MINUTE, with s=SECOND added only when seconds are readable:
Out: h=9 m=21
